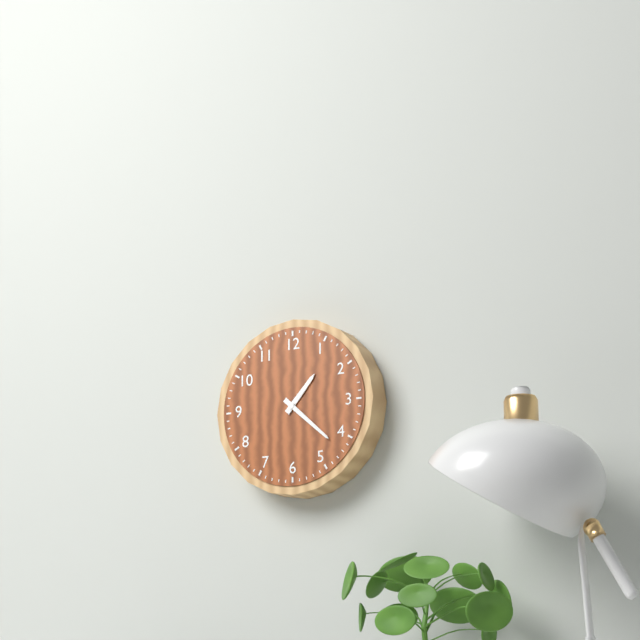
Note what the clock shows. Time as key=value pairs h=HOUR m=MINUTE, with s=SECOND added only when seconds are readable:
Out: h=1 m=22
